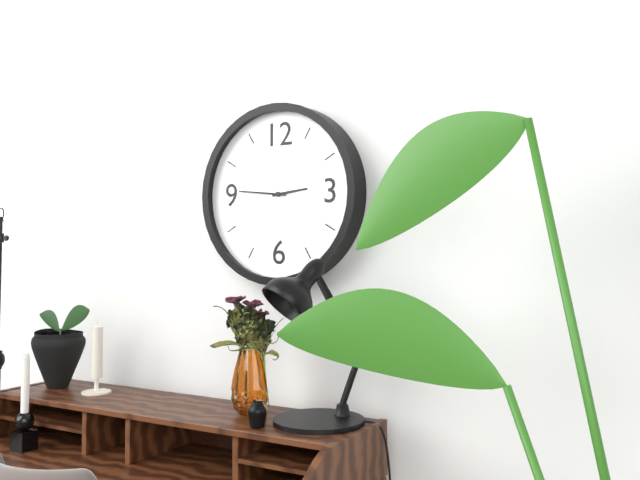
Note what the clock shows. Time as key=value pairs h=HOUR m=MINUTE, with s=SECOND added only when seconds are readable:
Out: h=2 m=46
